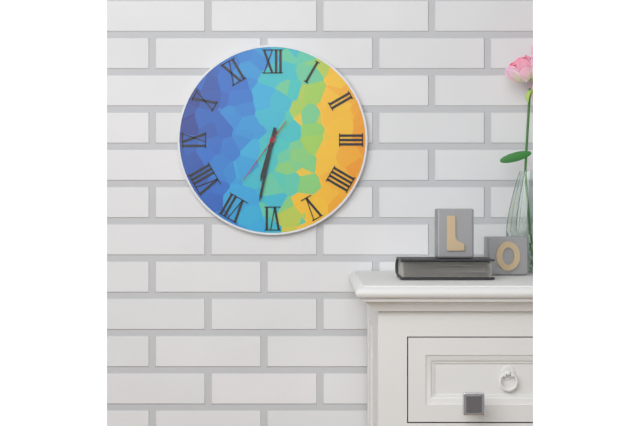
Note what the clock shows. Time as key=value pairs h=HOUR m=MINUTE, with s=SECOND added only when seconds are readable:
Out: h=6 m=32 s=36
